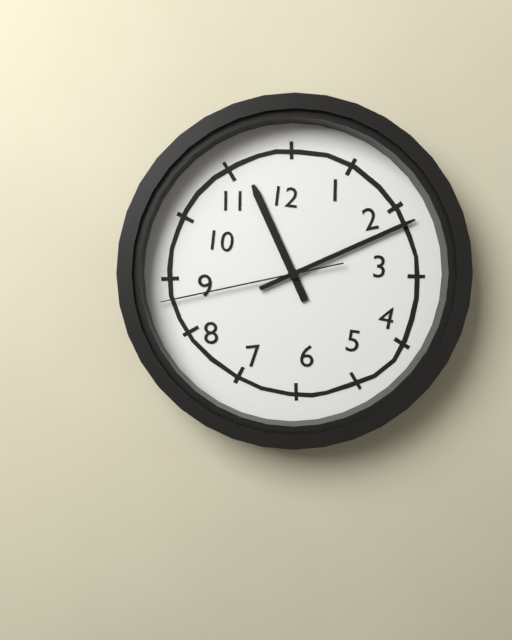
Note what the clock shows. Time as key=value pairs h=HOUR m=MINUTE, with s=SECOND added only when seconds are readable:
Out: h=11 m=11 s=43
